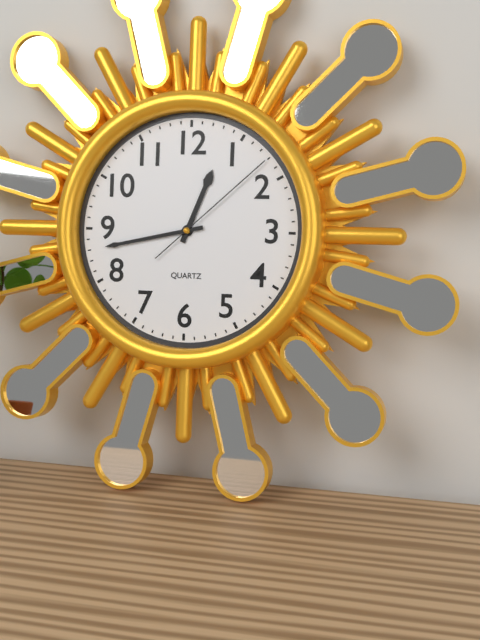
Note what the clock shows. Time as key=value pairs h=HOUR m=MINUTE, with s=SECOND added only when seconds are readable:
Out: h=12 m=43 s=8
